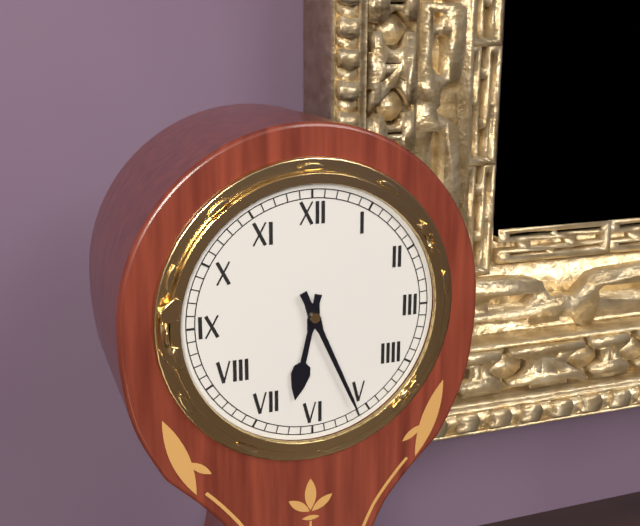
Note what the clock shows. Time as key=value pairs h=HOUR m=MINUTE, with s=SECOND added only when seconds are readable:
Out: h=6 m=26
